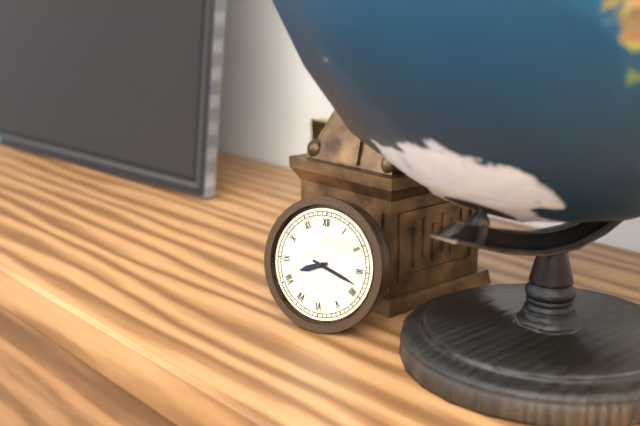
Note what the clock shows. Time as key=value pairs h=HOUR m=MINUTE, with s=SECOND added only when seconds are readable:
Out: h=8 m=18
